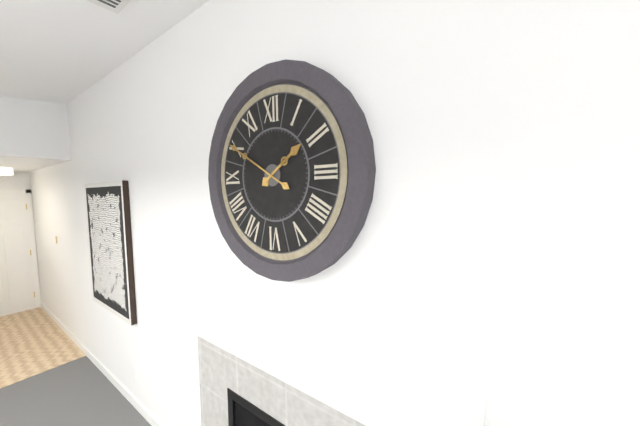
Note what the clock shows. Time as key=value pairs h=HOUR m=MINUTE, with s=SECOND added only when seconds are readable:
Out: h=1 m=50
